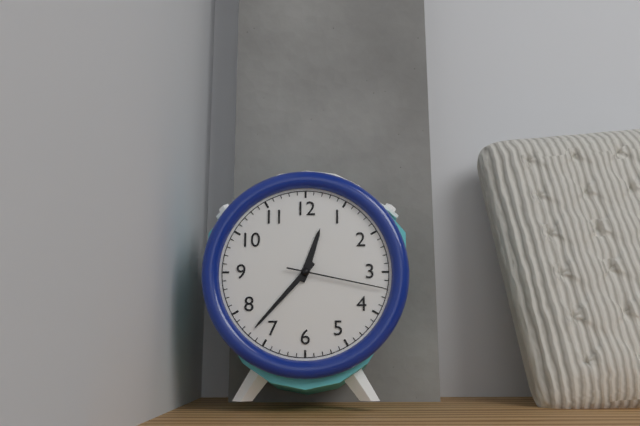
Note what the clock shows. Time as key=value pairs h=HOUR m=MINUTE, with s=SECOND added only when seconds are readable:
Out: h=12 m=37 s=17
